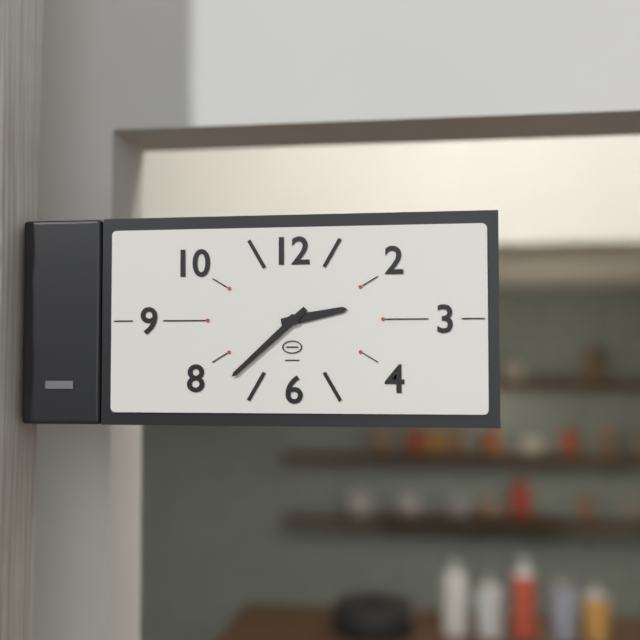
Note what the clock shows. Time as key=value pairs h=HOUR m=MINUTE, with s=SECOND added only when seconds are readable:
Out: h=2 m=38
